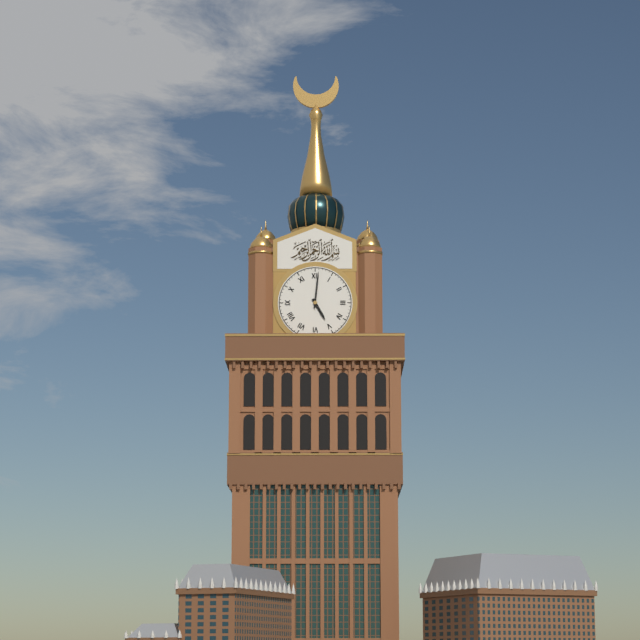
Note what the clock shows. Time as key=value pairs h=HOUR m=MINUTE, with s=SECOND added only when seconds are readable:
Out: h=5 m=1
